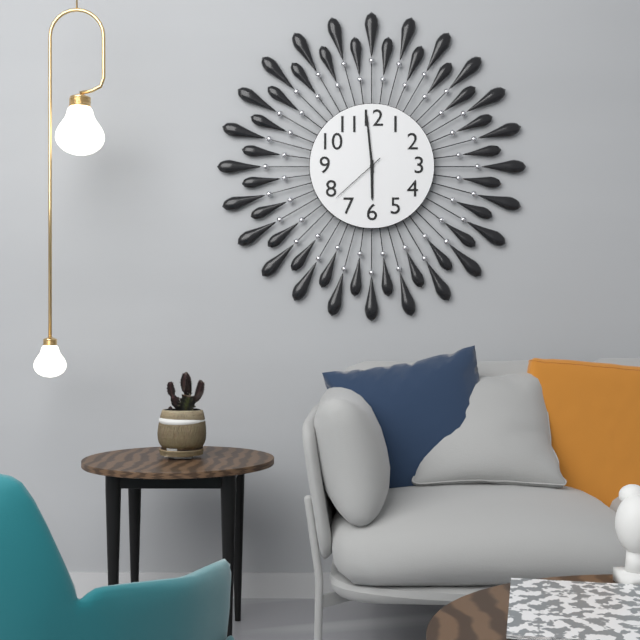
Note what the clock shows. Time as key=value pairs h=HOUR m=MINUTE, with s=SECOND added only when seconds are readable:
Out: h=5 m=59 s=38
